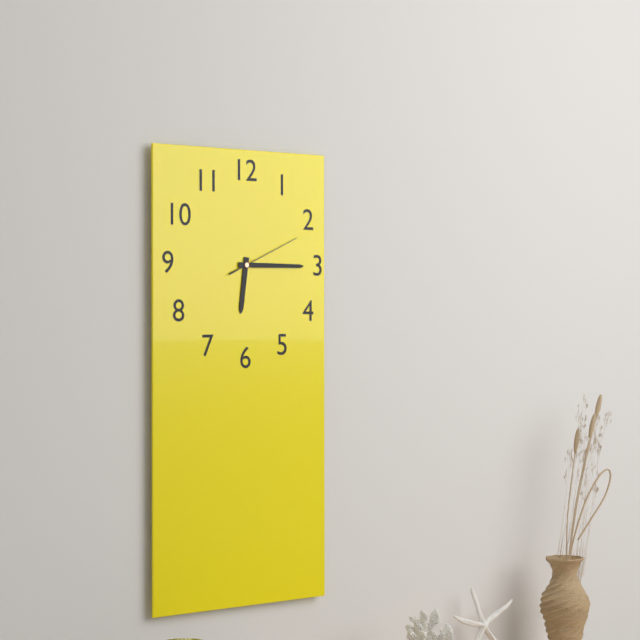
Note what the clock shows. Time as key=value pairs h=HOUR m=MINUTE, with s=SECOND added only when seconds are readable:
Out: h=6 m=15 s=11
